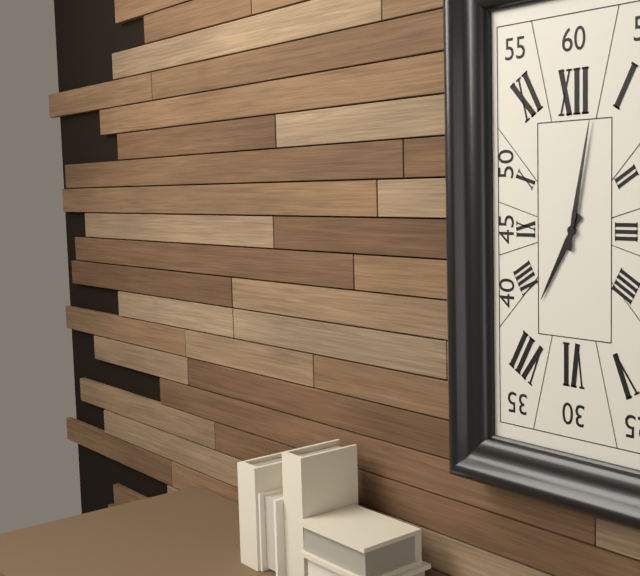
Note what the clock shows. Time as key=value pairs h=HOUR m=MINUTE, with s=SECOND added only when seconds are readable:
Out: h=7 m=2
